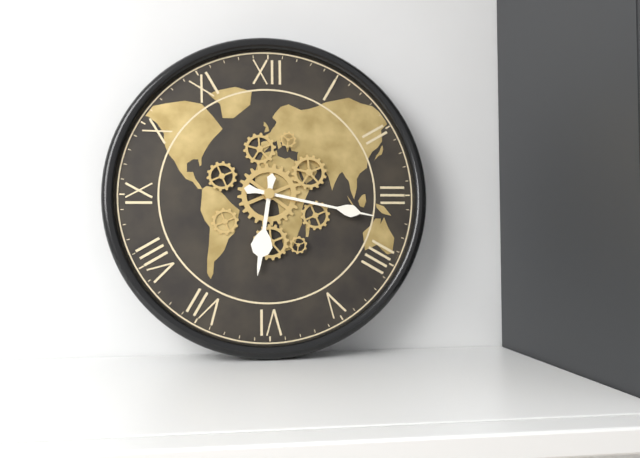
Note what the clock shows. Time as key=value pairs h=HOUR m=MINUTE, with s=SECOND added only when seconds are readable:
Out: h=6 m=17
